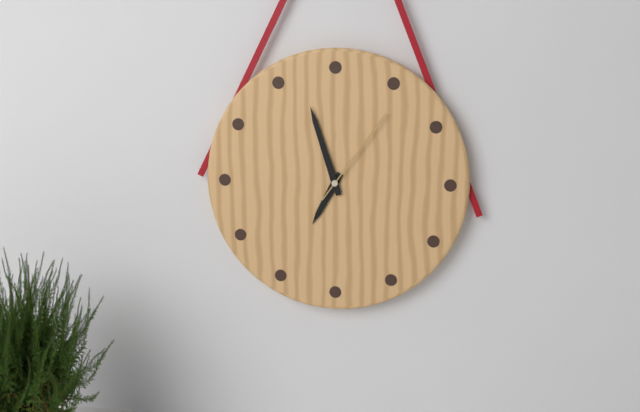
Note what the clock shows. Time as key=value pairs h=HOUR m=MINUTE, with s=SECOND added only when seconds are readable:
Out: h=6 m=57 s=6
